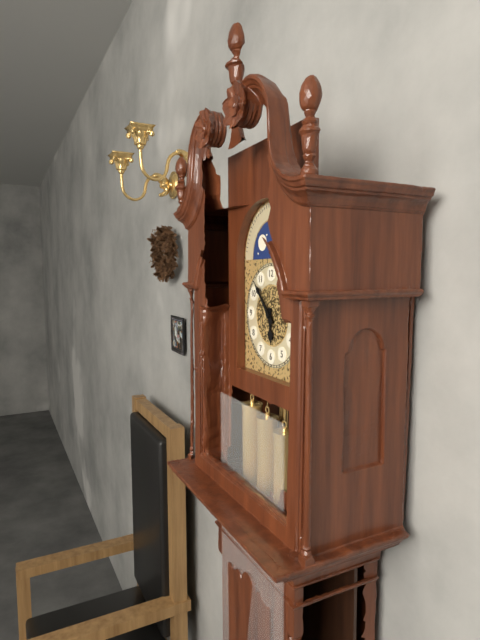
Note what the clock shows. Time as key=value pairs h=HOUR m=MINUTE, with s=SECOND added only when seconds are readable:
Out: h=5 m=53
